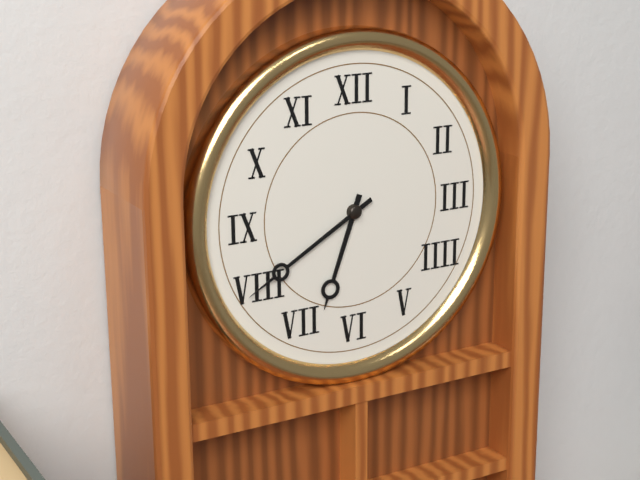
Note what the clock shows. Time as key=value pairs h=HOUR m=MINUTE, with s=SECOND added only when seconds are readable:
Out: h=6 m=40
